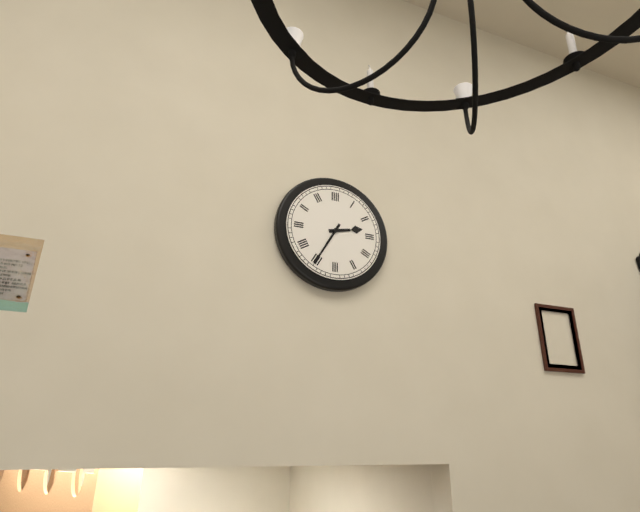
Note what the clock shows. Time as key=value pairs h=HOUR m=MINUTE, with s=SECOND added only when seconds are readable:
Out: h=2 m=35
